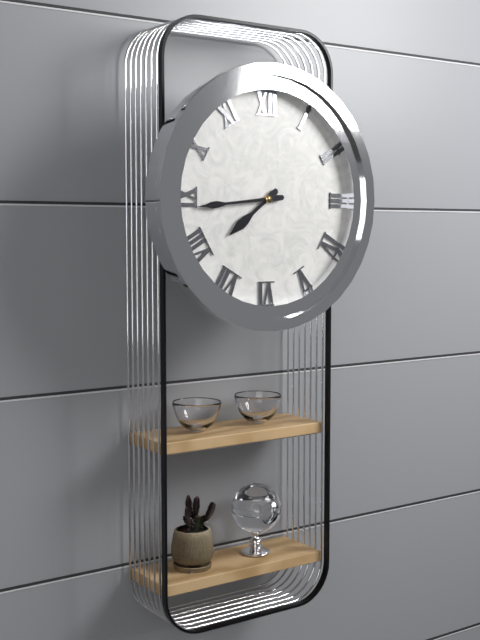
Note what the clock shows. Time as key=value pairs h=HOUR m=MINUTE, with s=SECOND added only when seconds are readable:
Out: h=7 m=44
